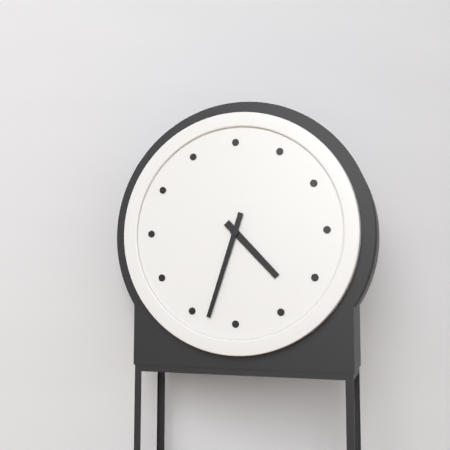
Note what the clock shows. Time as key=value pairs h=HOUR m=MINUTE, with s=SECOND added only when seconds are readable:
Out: h=4 m=33
